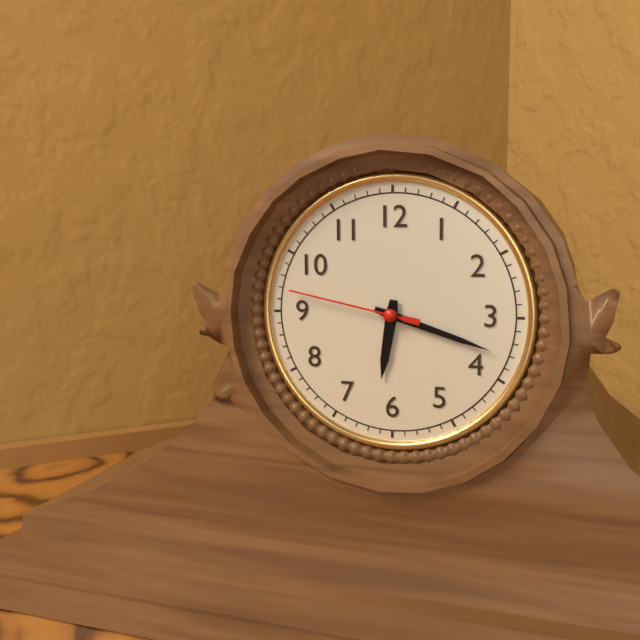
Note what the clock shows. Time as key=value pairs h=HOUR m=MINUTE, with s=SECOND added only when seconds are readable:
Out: h=6 m=18 s=47
